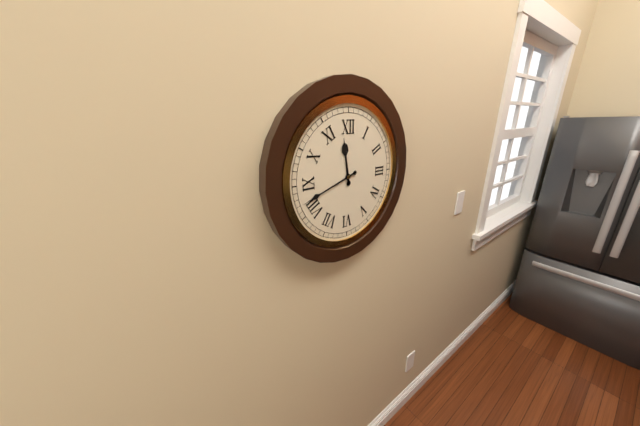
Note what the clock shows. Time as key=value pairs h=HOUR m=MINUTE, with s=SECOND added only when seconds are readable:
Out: h=11 m=42
